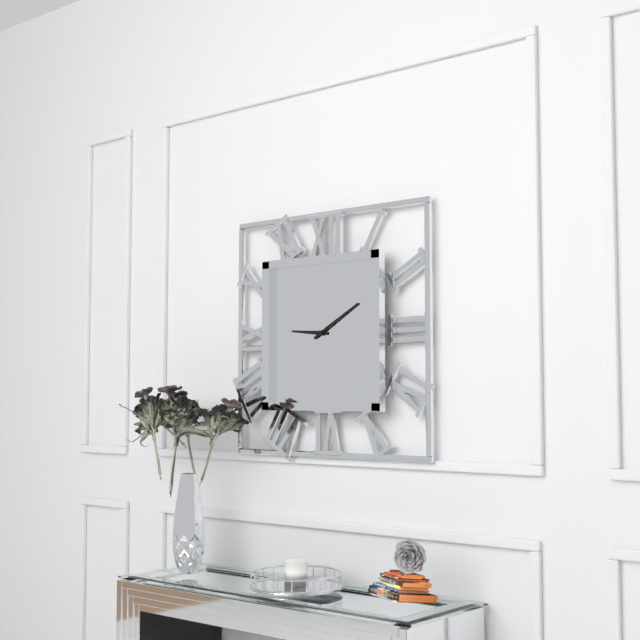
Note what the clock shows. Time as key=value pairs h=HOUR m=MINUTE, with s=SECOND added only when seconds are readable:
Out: h=9 m=10
